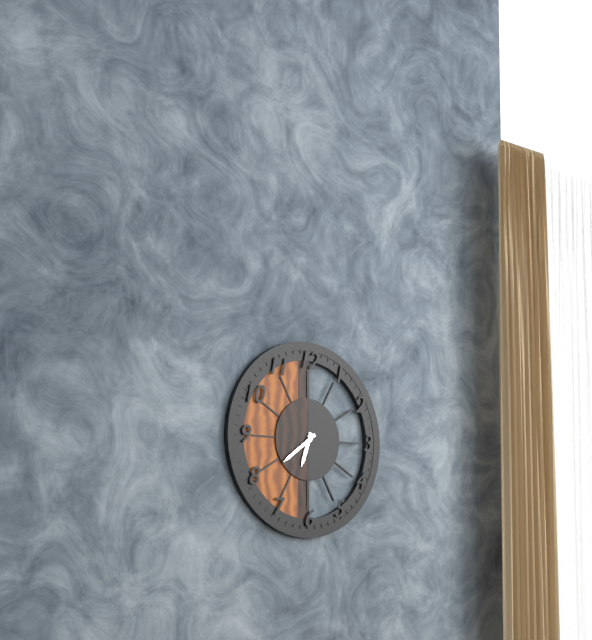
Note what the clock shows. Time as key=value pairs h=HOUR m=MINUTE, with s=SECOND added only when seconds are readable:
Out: h=6 m=39
